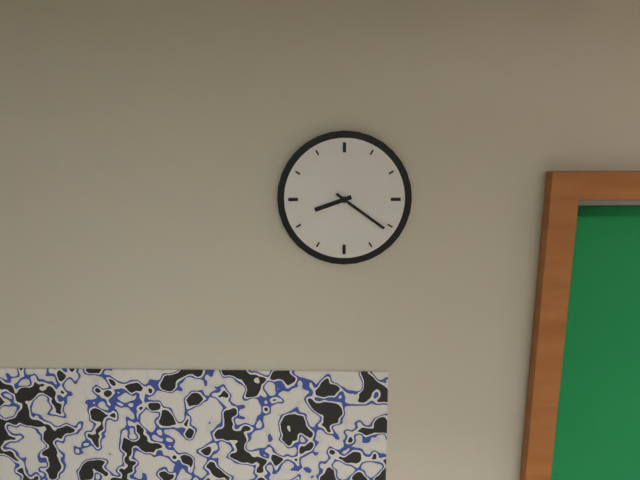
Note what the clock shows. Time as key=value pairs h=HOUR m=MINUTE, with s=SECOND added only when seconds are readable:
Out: h=8 m=21
